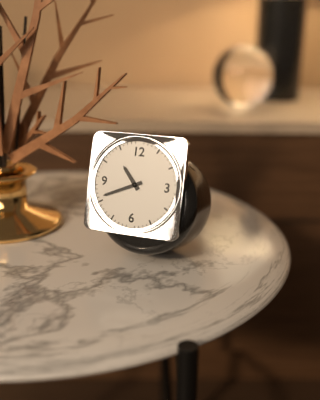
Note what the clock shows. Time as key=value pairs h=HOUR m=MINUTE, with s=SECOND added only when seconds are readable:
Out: h=10 m=41
